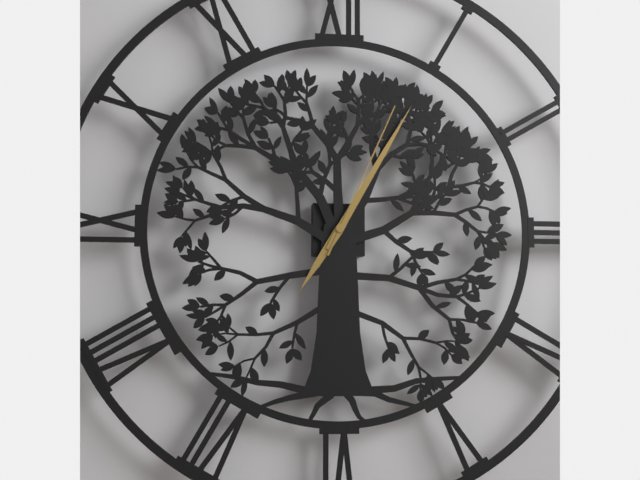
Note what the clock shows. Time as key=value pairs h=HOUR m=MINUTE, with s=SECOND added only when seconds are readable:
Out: h=7 m=5 s=4
